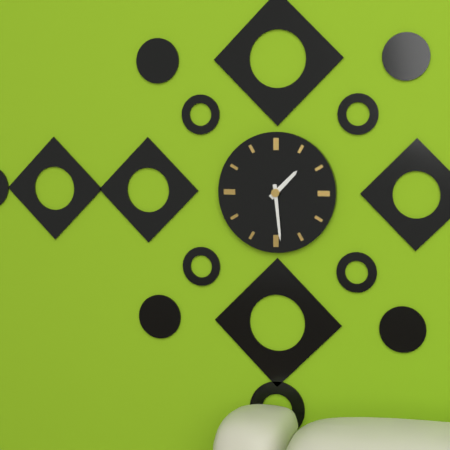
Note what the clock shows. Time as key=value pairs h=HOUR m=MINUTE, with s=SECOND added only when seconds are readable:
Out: h=1 m=29
